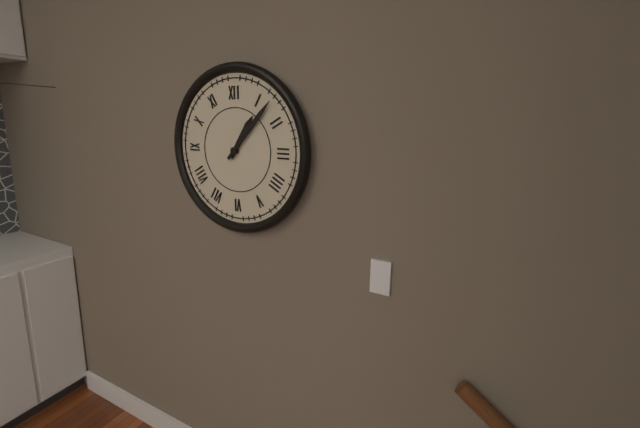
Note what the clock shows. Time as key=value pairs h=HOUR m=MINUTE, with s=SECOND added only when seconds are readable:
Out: h=1 m=7
